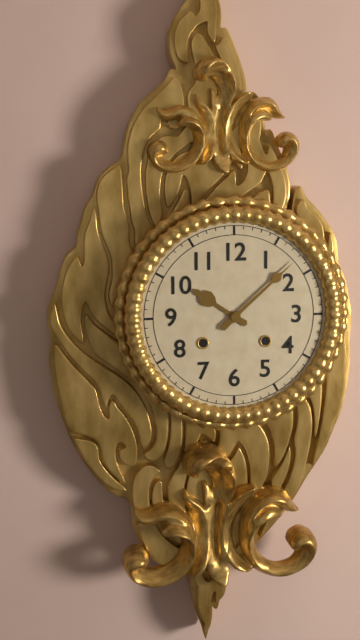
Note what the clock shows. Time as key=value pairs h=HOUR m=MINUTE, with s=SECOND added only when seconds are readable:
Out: h=10 m=8
